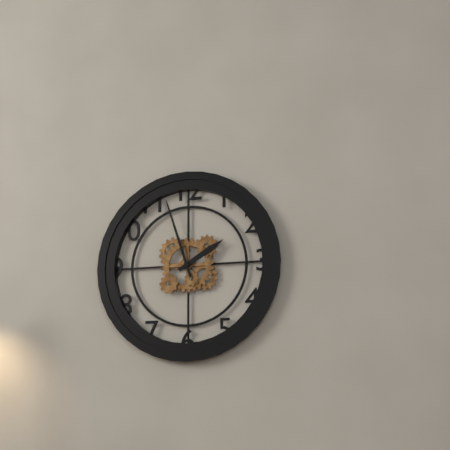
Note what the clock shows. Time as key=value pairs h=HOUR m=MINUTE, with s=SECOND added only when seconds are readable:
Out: h=1 m=57
